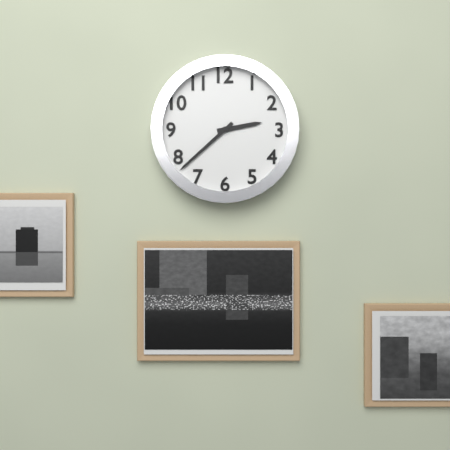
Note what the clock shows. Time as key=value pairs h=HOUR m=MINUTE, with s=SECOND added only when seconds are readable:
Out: h=2 m=38
